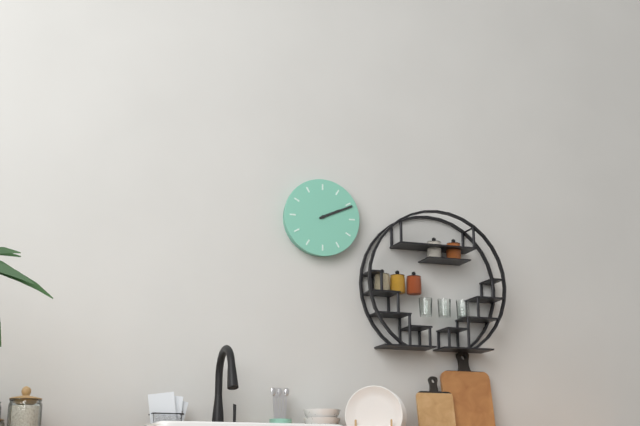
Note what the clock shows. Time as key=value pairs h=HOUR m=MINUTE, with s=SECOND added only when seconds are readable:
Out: h=2 m=11
